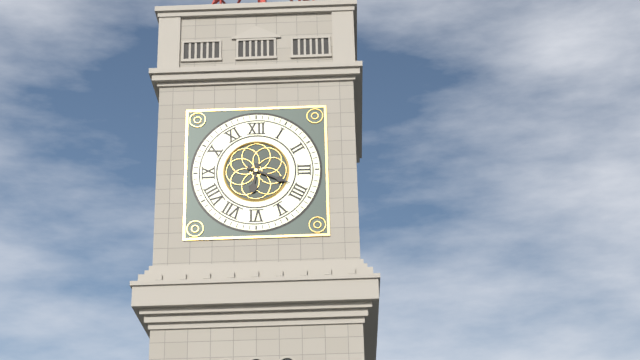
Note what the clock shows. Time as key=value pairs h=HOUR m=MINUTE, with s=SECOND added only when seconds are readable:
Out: h=6 m=19
